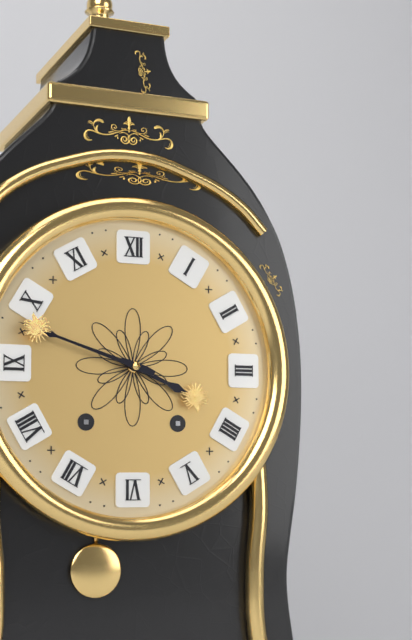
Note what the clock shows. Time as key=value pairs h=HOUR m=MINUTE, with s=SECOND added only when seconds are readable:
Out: h=3 m=48
